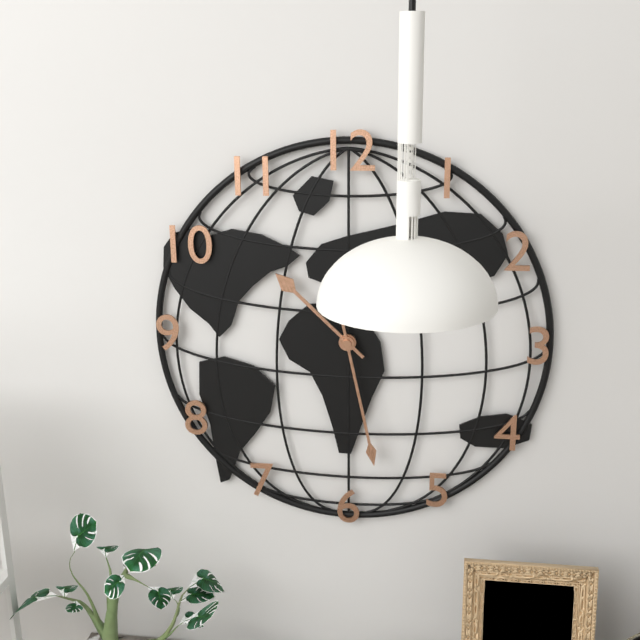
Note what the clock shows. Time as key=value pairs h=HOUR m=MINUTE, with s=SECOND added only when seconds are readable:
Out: h=10 m=28
